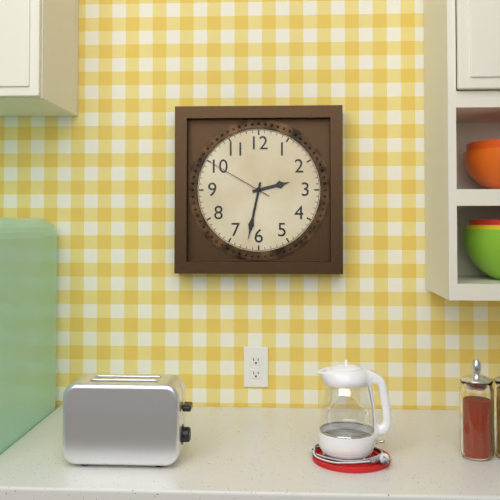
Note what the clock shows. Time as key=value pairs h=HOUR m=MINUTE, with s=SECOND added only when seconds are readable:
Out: h=2 m=32 s=50
